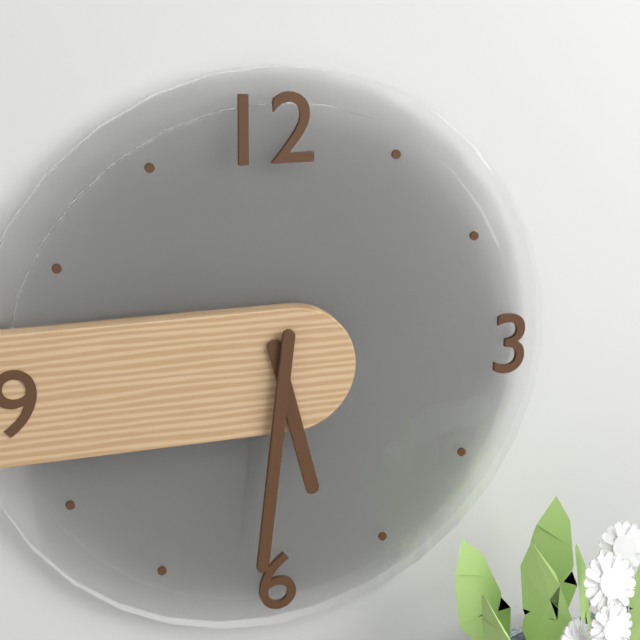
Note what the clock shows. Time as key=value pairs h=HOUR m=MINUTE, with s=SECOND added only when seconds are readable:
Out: h=5 m=31
